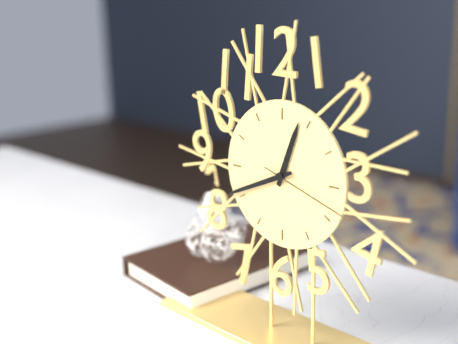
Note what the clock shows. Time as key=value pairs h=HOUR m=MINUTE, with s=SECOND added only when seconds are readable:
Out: h=12 m=41 s=18
